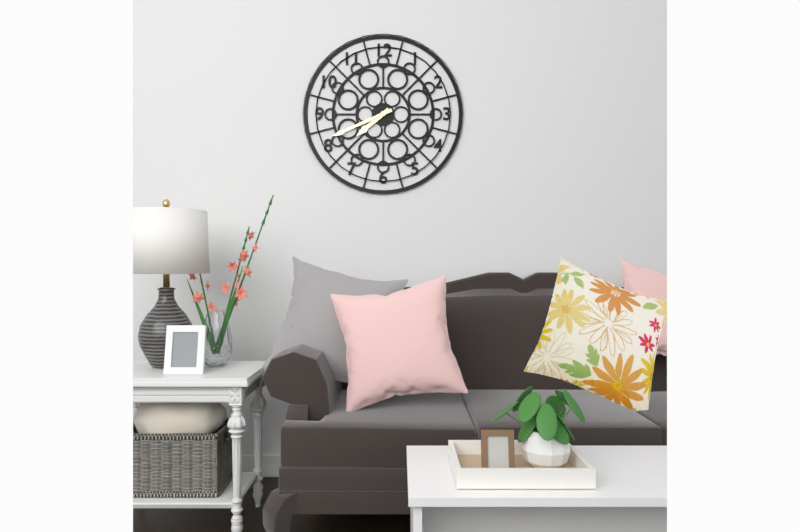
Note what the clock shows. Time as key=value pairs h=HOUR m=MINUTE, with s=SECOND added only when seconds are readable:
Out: h=7 m=41
